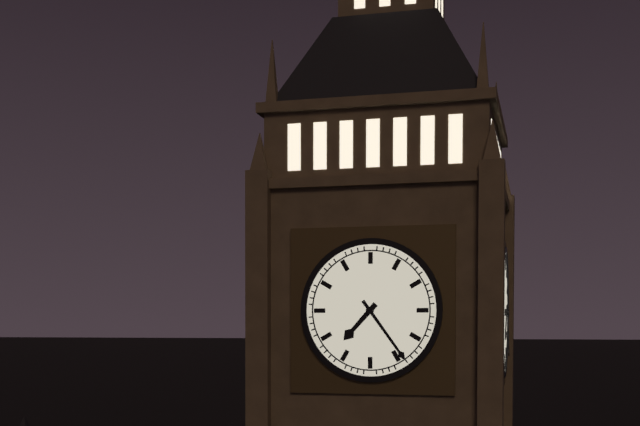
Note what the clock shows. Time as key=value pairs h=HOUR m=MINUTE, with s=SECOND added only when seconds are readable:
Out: h=7 m=24
